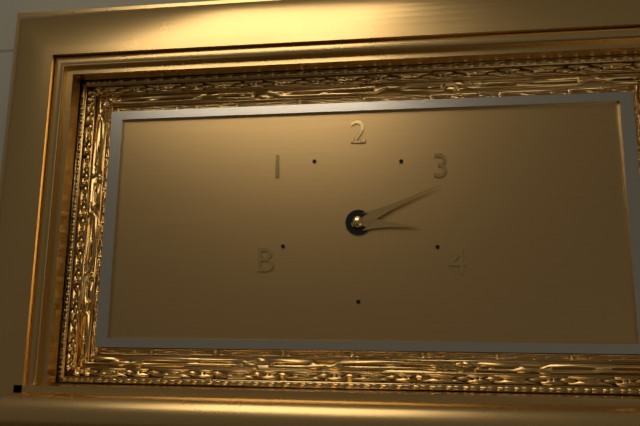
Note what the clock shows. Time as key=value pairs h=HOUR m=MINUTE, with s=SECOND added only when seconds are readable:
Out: h=3 m=11
